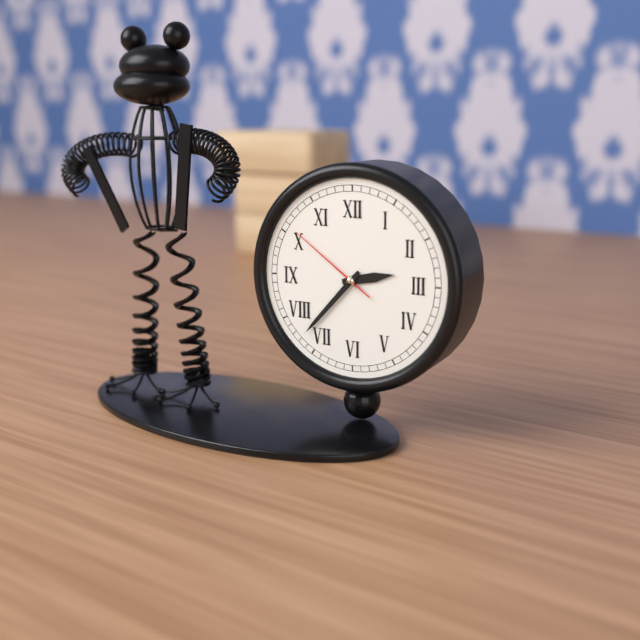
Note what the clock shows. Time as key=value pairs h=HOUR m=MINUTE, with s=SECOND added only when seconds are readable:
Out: h=2 m=37 s=51
